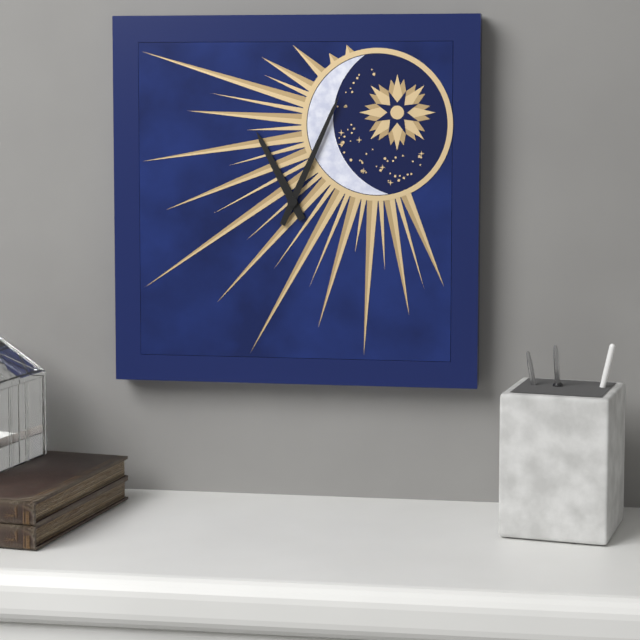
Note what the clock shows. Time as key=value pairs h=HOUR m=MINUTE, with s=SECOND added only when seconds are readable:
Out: h=11 m=4
